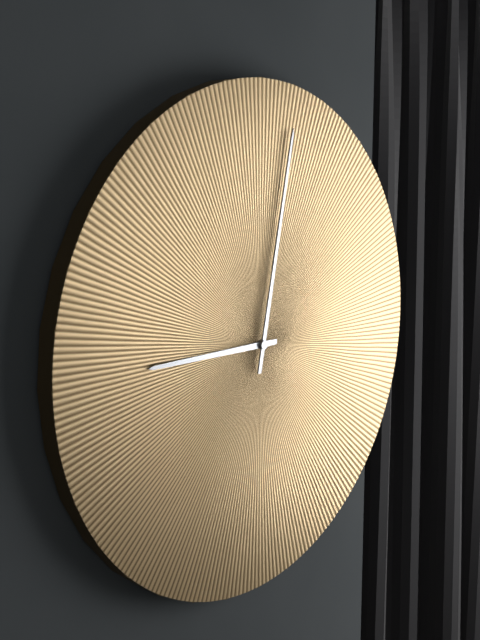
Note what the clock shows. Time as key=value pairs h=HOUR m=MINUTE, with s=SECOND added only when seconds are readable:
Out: h=9 m=2
